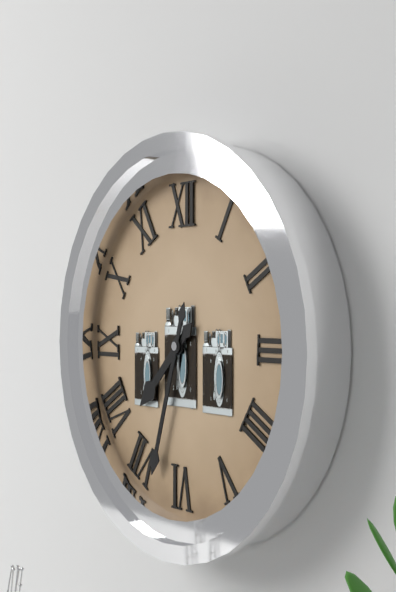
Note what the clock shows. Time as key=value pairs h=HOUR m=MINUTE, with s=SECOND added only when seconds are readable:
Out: h=7 m=33
